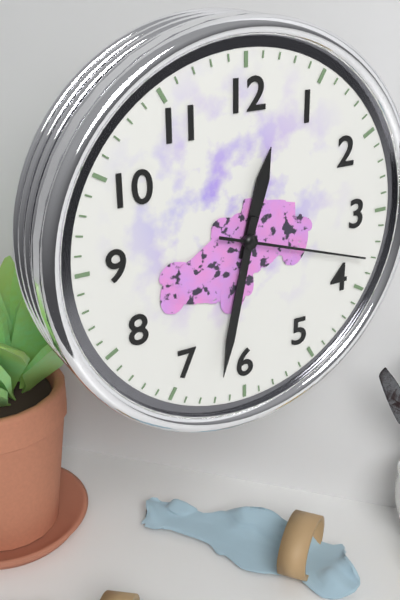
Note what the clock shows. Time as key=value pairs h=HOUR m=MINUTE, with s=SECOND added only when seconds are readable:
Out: h=12 m=32 s=18
